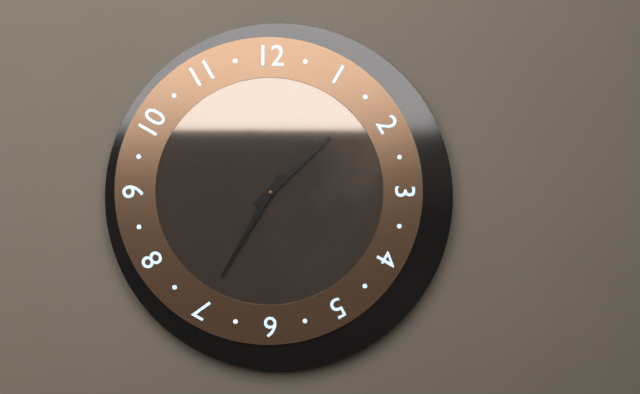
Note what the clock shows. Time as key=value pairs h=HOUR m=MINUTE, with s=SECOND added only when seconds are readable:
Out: h=1 m=35
